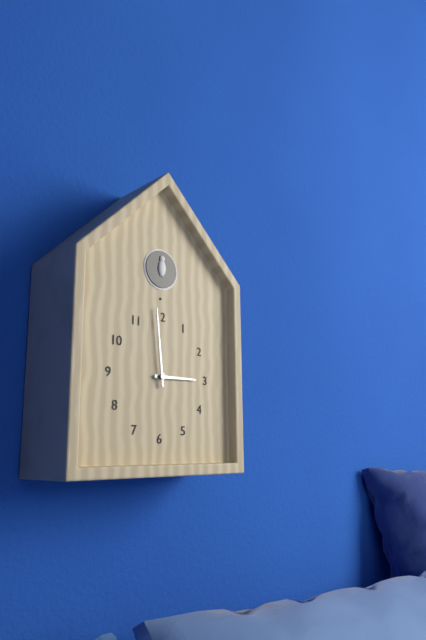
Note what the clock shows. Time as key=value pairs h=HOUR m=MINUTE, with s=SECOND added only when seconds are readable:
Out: h=2 m=59
